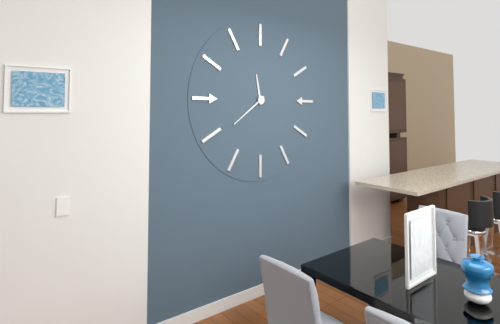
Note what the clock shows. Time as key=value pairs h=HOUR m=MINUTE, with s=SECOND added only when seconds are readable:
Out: h=11 m=39
